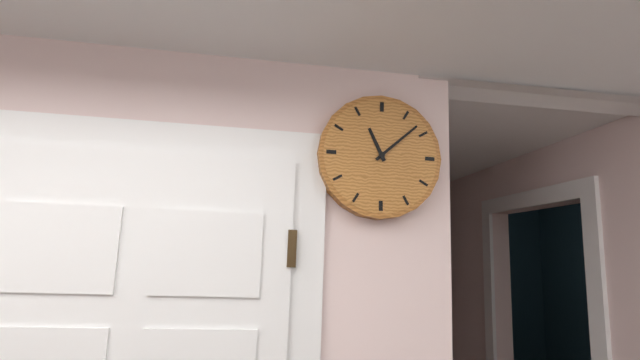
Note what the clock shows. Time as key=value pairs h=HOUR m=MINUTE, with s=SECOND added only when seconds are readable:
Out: h=11 m=8
